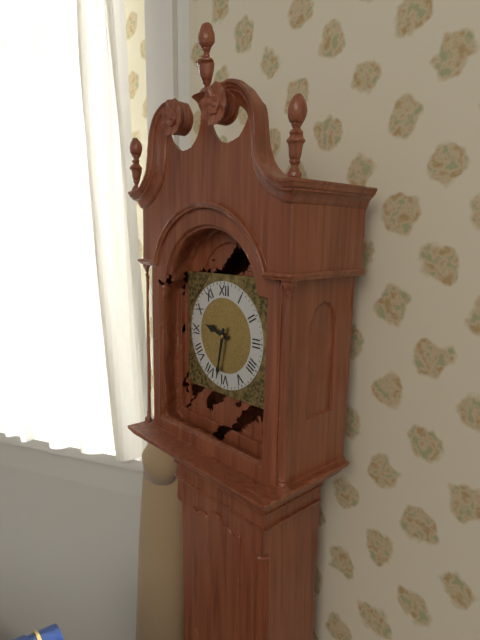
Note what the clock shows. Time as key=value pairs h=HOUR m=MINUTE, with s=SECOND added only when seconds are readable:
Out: h=9 m=32
